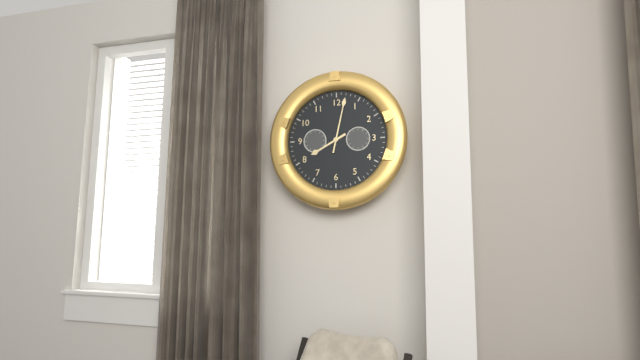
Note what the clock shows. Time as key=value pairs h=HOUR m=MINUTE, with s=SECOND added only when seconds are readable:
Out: h=8 m=2
